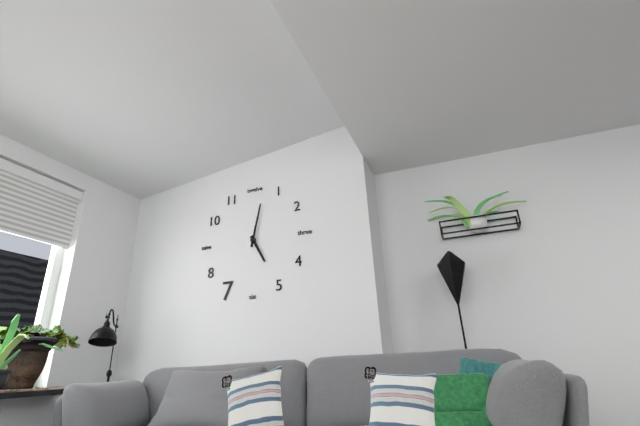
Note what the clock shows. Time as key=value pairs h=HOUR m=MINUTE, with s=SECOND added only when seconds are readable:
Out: h=5 m=2
